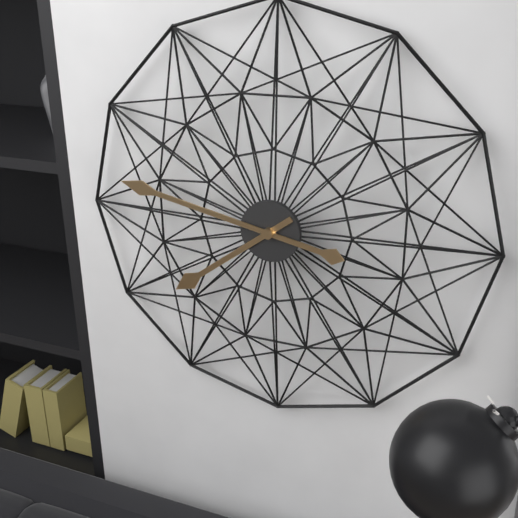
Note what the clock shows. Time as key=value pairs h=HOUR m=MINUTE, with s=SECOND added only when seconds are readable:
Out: h=7 m=47
